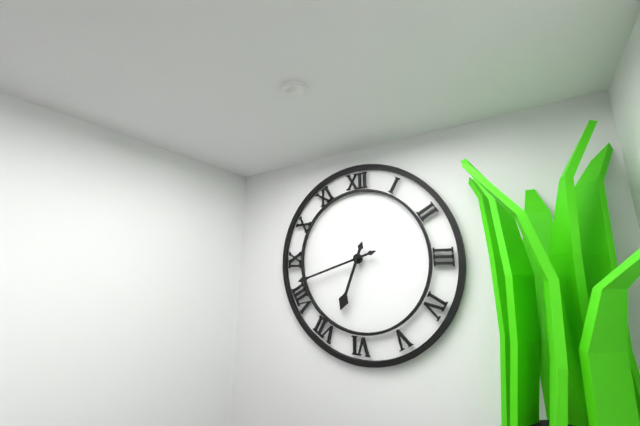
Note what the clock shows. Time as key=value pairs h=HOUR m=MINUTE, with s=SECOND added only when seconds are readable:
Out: h=6 m=42
